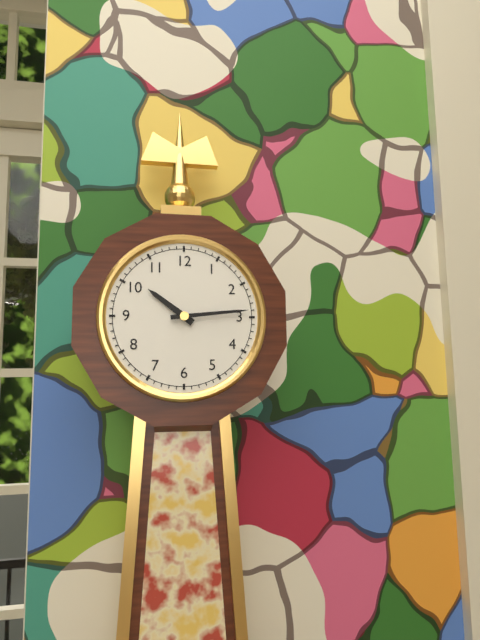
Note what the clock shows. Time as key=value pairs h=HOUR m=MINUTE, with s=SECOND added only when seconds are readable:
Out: h=10 m=14
